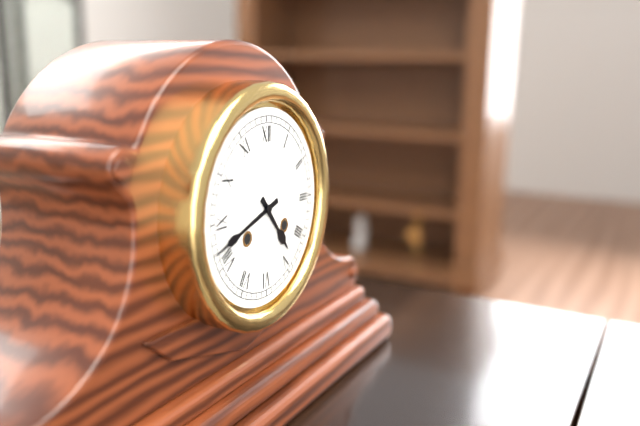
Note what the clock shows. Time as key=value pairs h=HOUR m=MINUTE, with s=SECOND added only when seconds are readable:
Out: h=4 m=42
